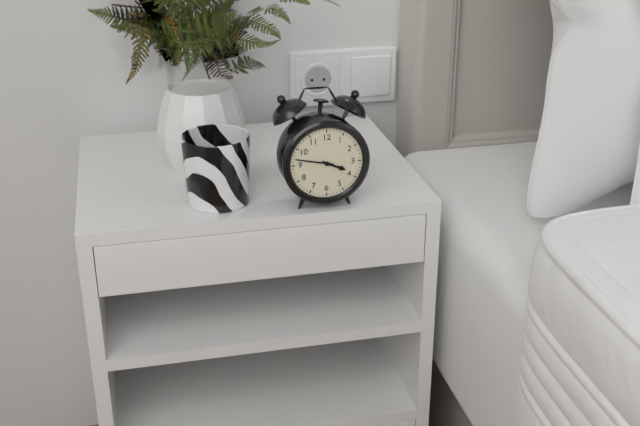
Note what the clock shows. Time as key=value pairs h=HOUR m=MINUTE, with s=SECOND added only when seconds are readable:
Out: h=3 m=47
